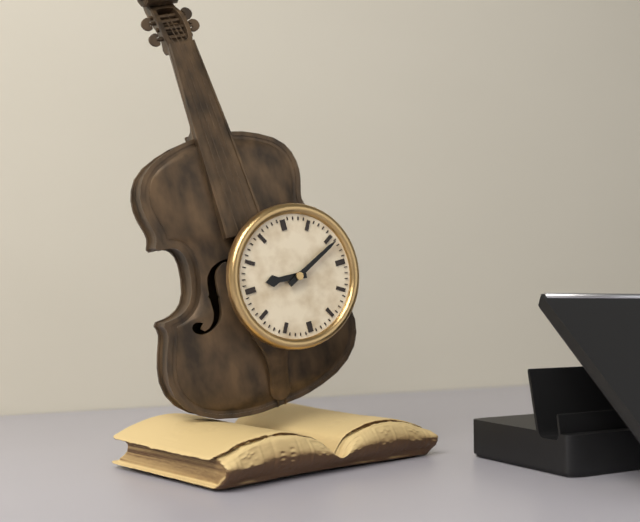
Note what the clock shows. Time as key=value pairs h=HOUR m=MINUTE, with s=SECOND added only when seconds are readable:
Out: h=9 m=11
